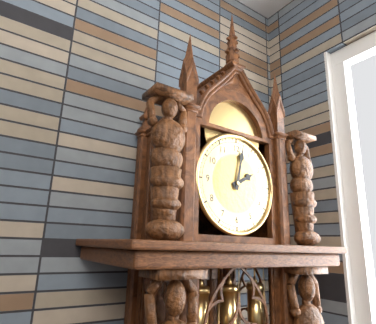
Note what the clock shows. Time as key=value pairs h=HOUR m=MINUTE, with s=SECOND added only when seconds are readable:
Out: h=2 m=2
